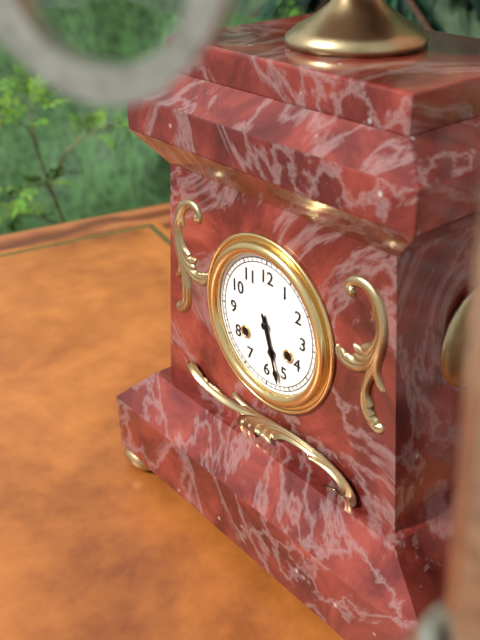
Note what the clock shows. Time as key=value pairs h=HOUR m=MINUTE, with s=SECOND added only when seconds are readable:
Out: h=5 m=27
